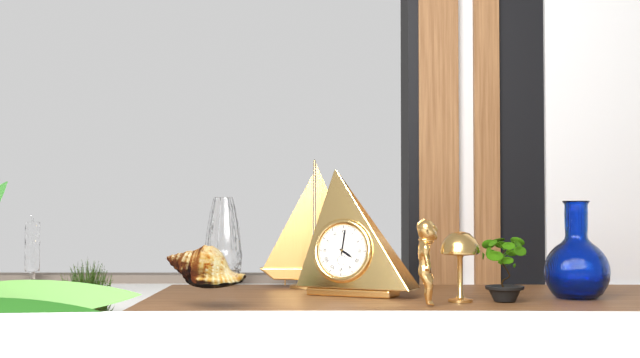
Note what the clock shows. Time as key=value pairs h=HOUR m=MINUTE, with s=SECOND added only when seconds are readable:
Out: h=4 m=1
